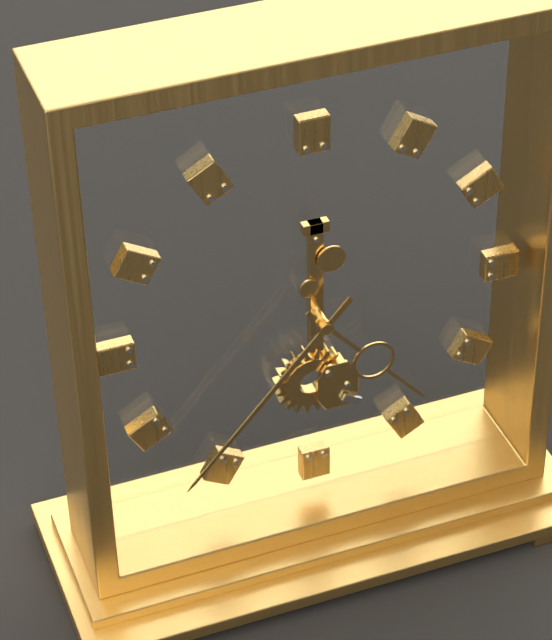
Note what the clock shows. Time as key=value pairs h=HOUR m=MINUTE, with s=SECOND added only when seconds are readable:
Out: h=4 m=37
